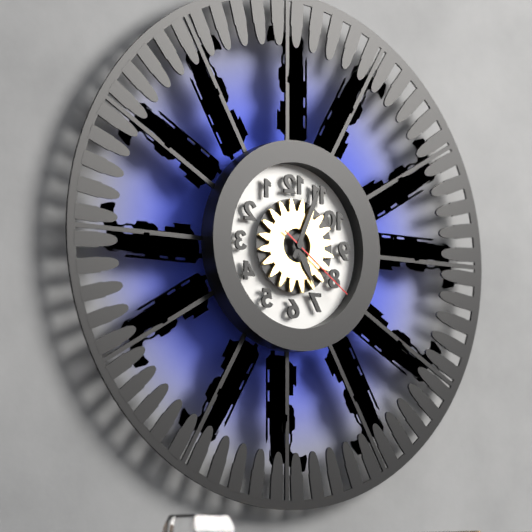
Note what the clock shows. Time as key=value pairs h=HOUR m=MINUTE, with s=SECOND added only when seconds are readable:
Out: h=5 m=4 s=21
